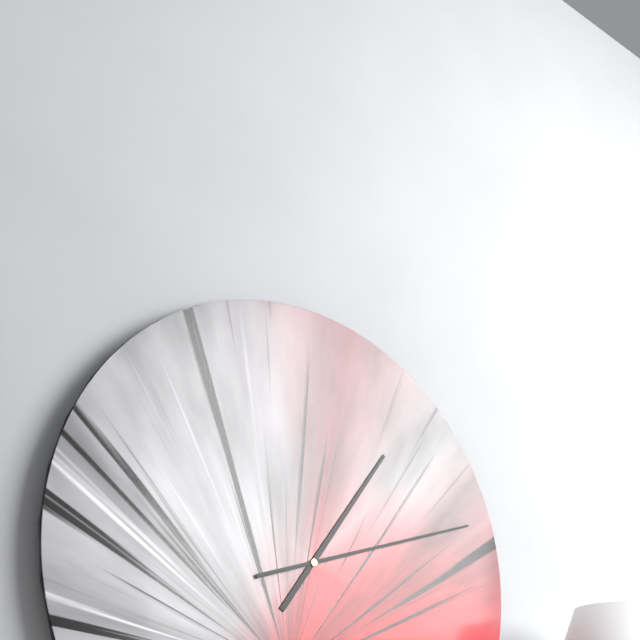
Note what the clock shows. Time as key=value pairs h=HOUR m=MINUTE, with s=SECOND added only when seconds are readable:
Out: h=1 m=12
